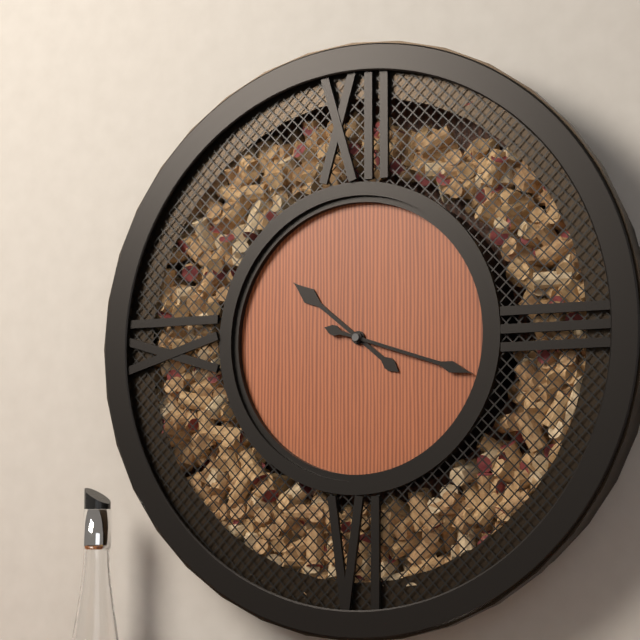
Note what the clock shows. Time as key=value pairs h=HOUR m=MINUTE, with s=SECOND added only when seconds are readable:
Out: h=10 m=18
